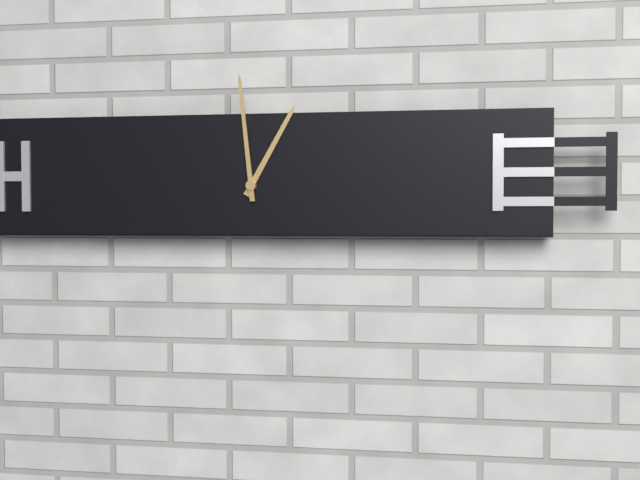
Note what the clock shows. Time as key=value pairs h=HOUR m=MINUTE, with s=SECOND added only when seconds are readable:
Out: h=12 m=59
